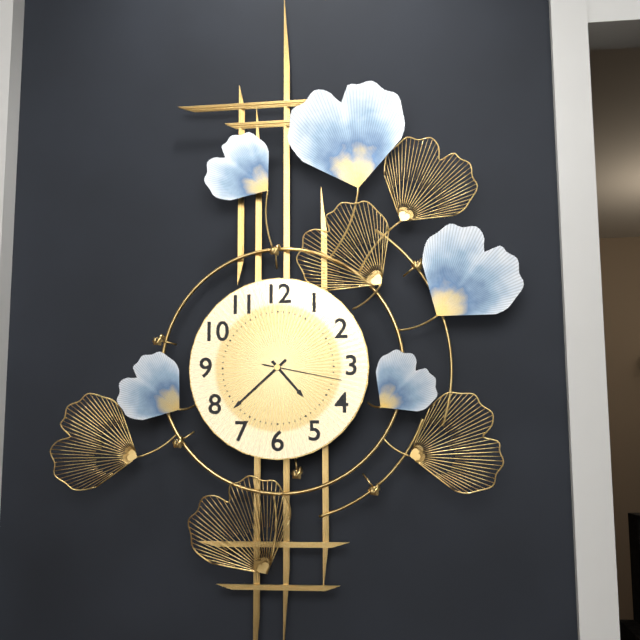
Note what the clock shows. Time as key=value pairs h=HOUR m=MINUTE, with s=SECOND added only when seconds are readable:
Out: h=4 m=38 s=17
